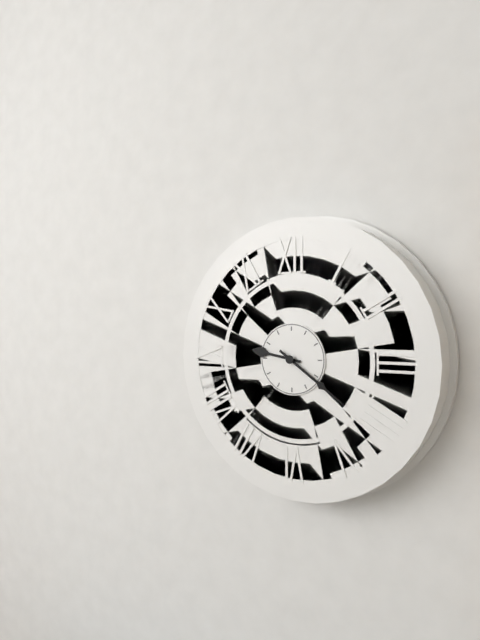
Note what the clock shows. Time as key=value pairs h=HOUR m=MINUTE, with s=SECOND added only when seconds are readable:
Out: h=9 m=21
